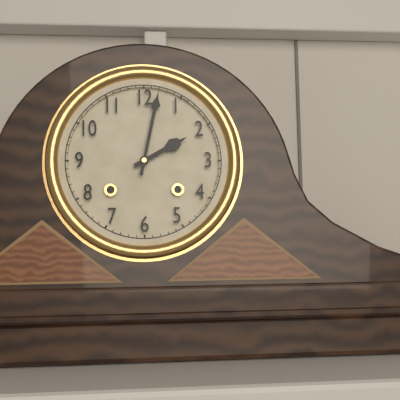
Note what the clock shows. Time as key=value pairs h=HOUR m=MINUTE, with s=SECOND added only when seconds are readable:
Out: h=2 m=2
